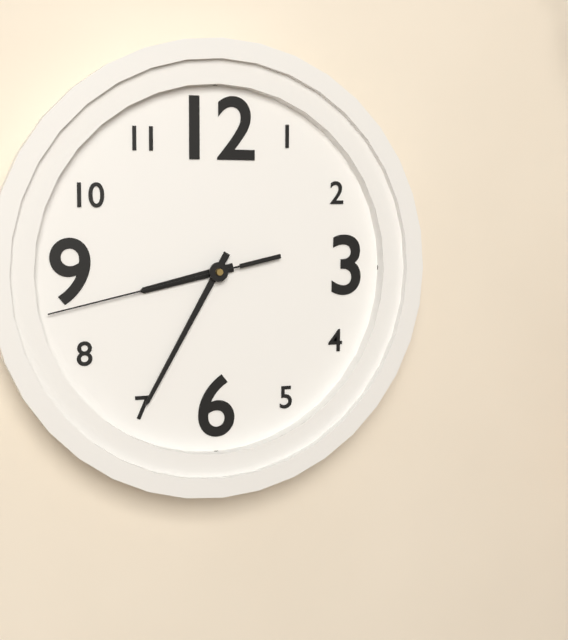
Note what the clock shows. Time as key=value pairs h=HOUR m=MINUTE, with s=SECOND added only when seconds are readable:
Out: h=8 m=35 s=43
